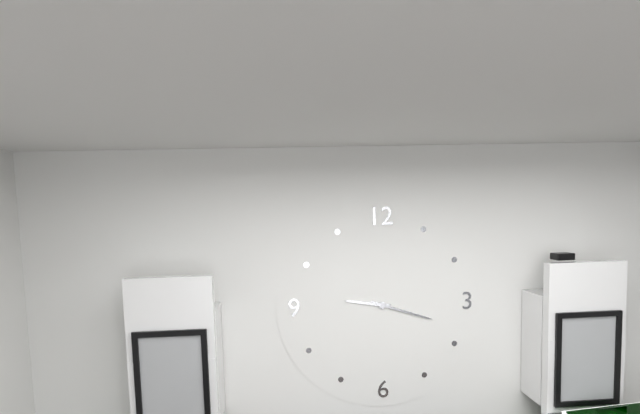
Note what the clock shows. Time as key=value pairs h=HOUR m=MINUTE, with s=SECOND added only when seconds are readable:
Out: h=9 m=18
